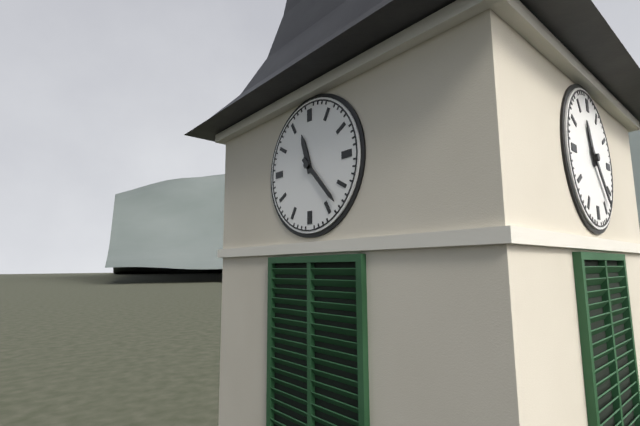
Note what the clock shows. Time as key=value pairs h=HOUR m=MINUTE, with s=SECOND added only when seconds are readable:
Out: h=11 m=23
